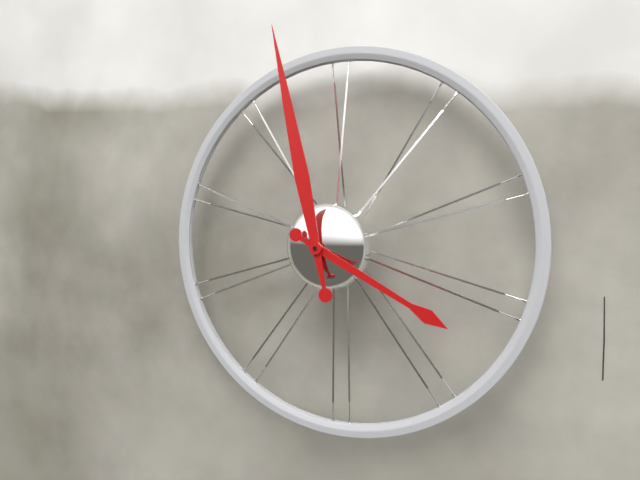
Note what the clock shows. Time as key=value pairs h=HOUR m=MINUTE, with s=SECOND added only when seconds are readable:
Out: h=3 m=58
